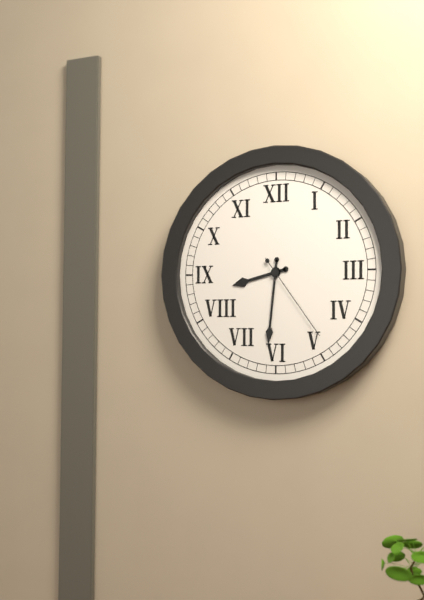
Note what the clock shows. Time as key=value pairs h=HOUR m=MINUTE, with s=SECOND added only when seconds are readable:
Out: h=8 m=31 s=24
